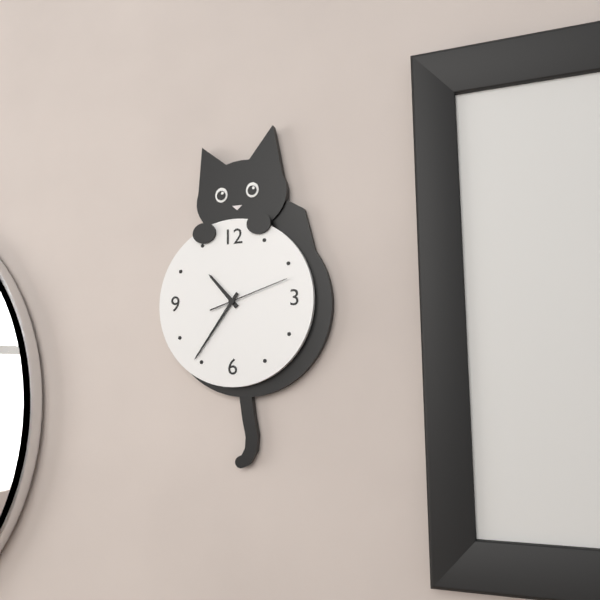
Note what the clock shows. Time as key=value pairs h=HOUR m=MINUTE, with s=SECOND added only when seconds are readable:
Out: h=10 m=36 s=12
